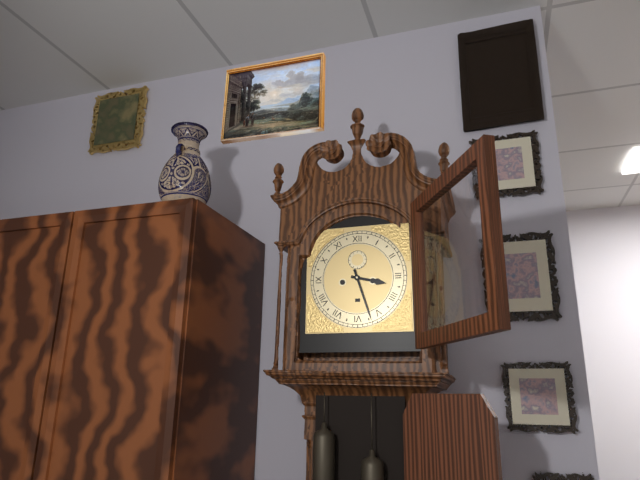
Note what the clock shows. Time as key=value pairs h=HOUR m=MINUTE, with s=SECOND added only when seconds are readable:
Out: h=3 m=27
